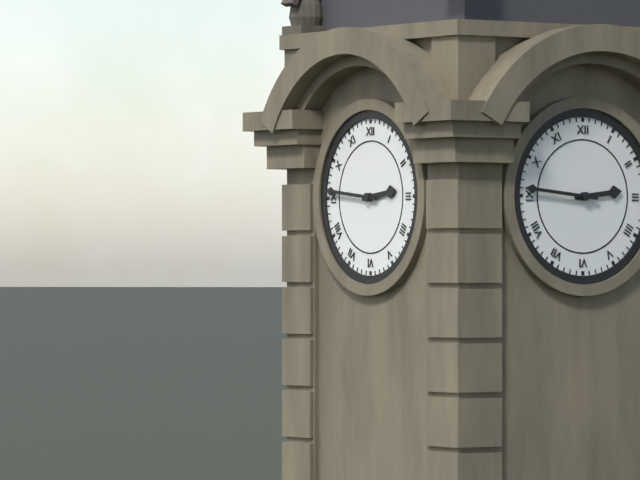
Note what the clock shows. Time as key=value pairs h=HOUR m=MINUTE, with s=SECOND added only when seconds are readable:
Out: h=2 m=46
